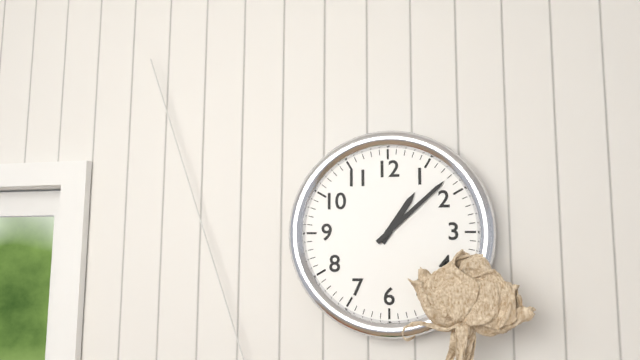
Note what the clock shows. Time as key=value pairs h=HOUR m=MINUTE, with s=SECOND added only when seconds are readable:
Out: h=1 m=8
